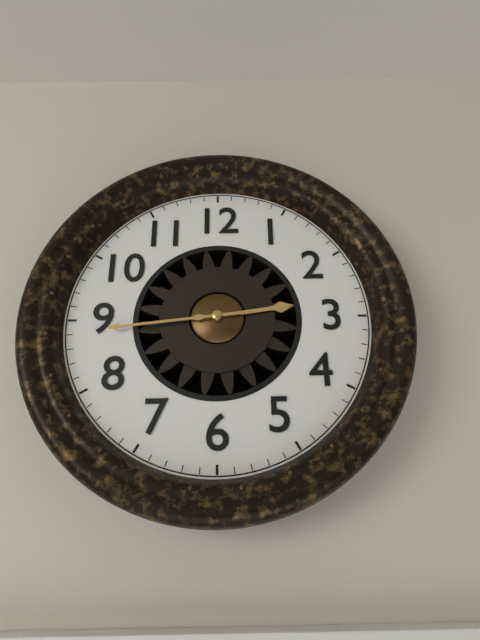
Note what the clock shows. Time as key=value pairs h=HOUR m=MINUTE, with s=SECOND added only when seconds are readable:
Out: h=2 m=44
